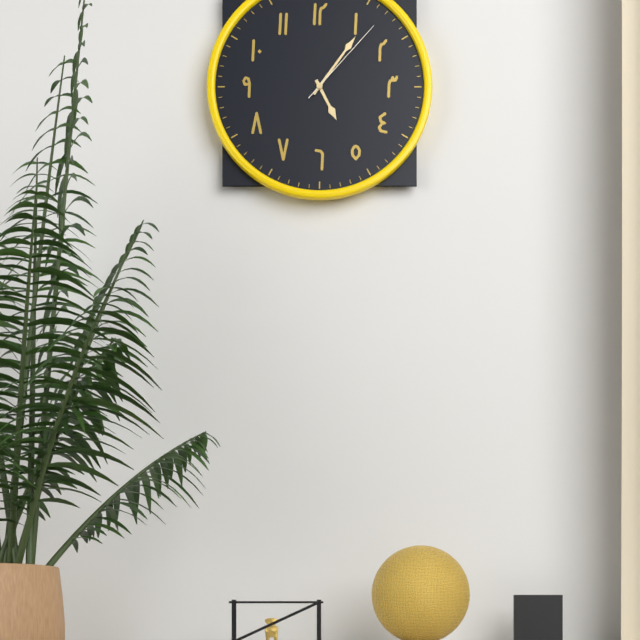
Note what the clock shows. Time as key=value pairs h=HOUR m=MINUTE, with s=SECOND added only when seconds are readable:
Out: h=5 m=6 s=7
